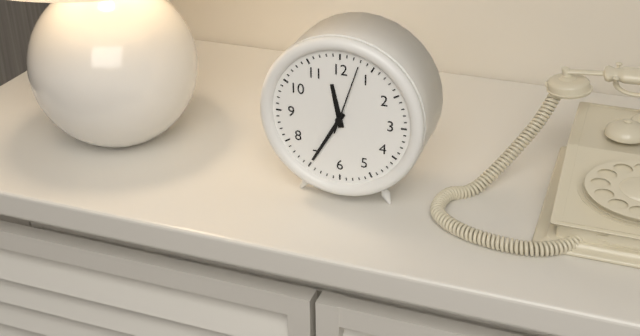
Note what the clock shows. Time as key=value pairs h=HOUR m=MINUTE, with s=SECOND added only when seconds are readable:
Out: h=11 m=35 s=3
